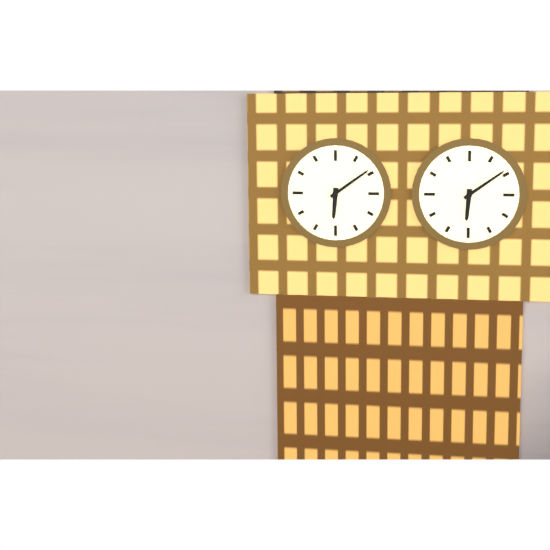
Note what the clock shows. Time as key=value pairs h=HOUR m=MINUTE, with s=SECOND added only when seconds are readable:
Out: h=6 m=9
